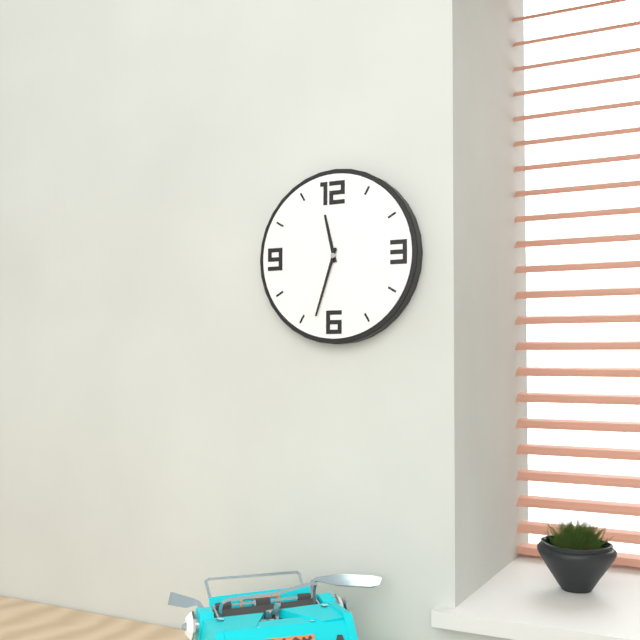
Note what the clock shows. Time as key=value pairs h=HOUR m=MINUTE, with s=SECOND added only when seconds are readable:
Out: h=11 m=33
